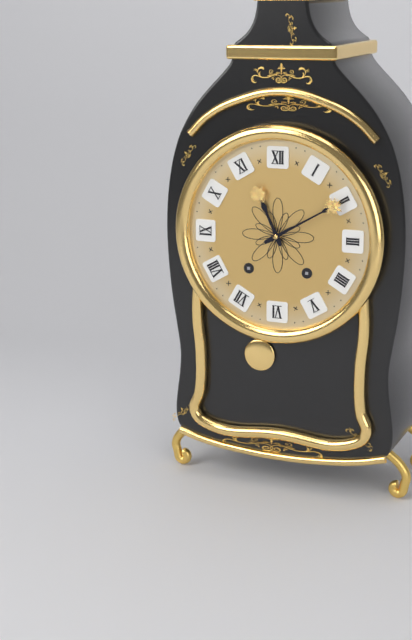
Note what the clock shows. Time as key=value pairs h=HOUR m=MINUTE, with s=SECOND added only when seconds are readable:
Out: h=11 m=10
